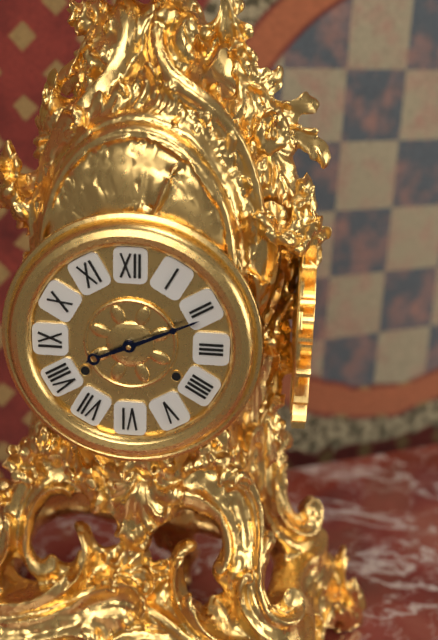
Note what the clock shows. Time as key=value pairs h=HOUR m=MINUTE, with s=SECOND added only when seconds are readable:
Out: h=8 m=11
